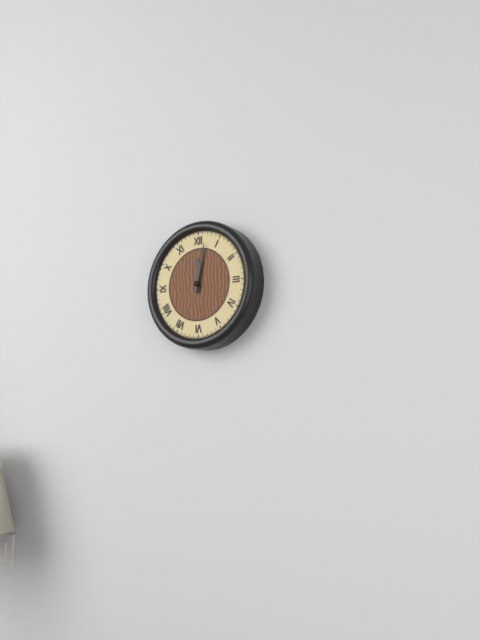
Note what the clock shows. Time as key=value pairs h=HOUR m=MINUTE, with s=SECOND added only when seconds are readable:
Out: h=12 m=2
